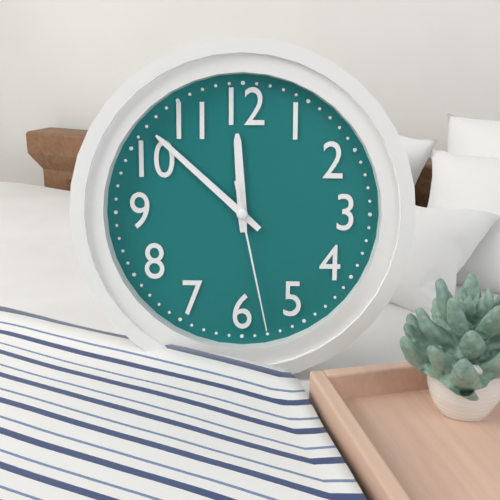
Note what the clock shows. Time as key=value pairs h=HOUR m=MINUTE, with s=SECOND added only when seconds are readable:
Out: h=11 m=52 s=28
